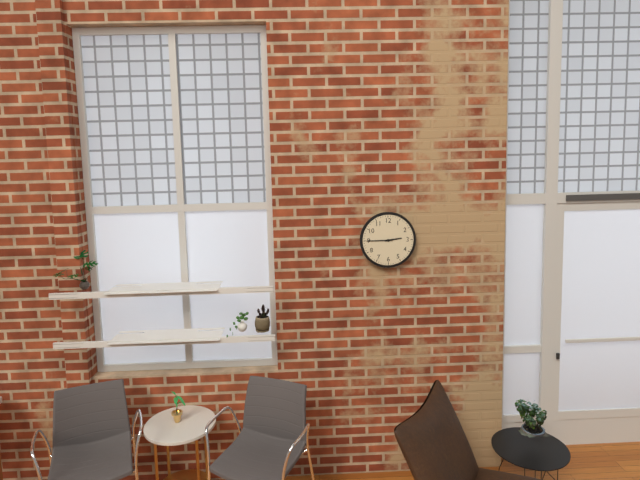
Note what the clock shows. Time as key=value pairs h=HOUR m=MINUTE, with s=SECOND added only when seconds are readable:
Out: h=2 m=45
